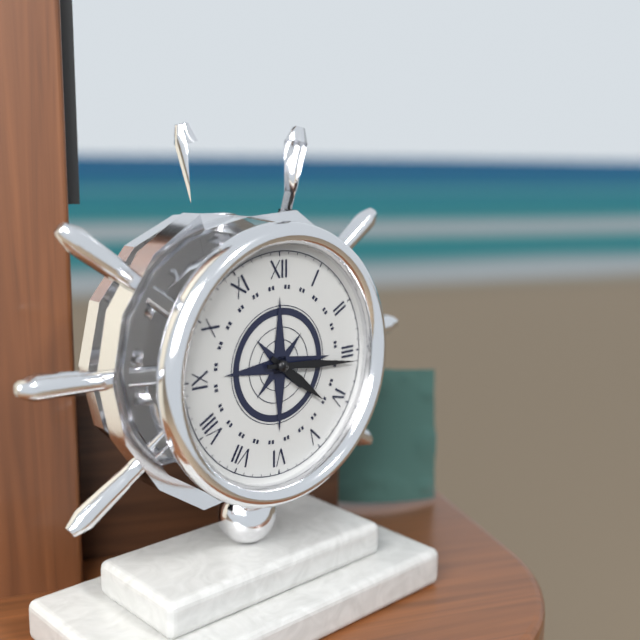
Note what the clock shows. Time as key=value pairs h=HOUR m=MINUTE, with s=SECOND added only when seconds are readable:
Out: h=4 m=16
